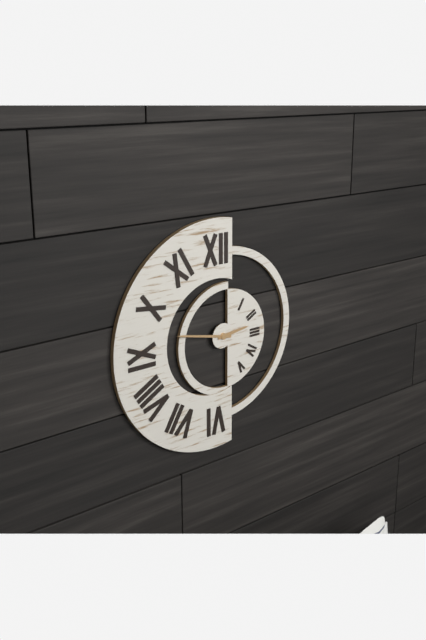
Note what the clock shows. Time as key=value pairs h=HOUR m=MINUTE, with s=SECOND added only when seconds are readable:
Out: h=2 m=47
